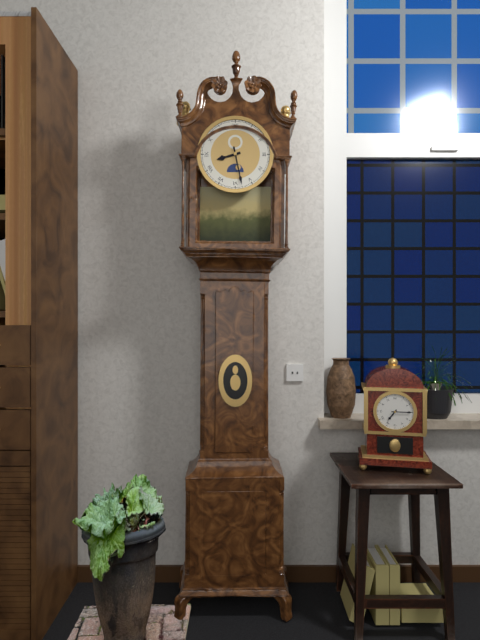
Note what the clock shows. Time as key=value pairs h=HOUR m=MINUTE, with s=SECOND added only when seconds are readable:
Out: h=8 m=28
